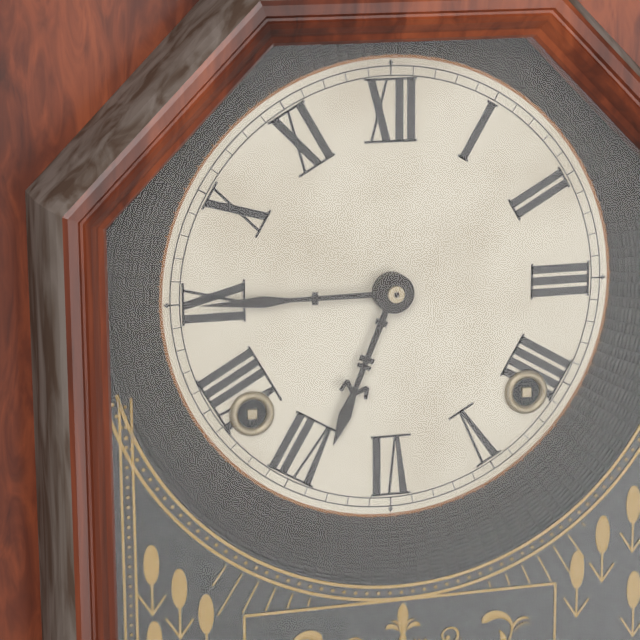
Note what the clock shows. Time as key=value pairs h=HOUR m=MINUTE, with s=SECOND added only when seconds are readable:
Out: h=6 m=45
